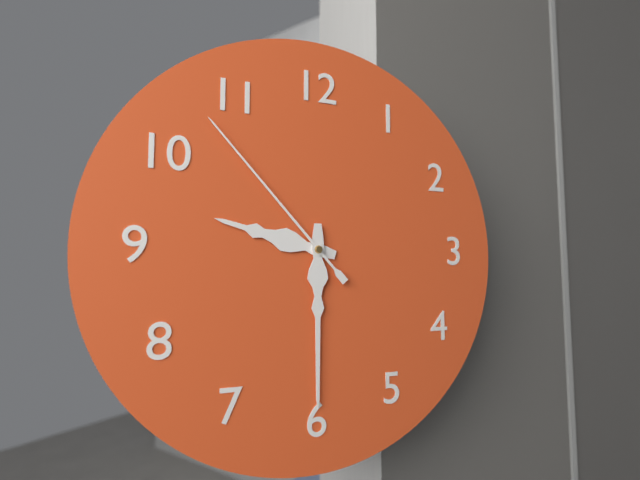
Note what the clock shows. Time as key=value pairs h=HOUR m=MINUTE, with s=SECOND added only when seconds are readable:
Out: h=9 m=30 s=53
